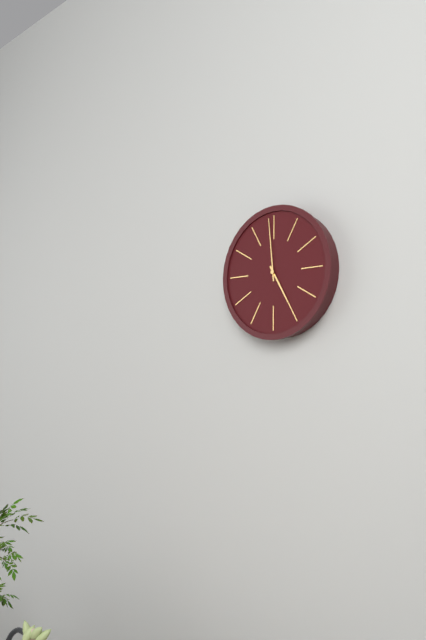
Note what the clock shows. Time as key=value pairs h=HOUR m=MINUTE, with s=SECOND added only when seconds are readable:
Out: h=4 m=59
